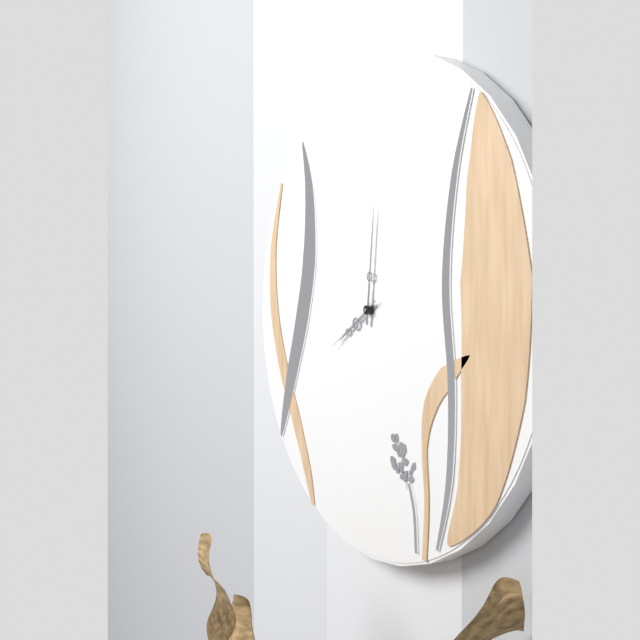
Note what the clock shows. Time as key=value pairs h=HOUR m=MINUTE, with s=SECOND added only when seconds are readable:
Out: h=8 m=1 s=40
